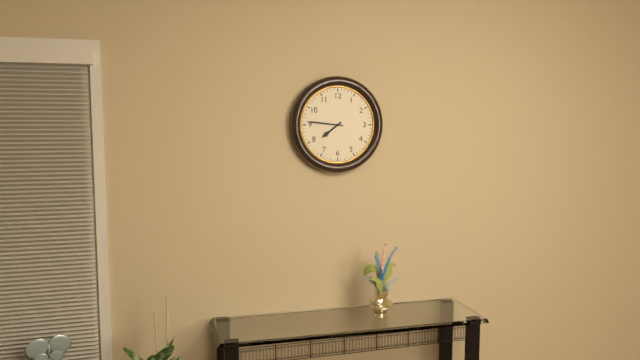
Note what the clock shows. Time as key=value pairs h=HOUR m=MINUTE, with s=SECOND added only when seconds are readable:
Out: h=7 m=46
